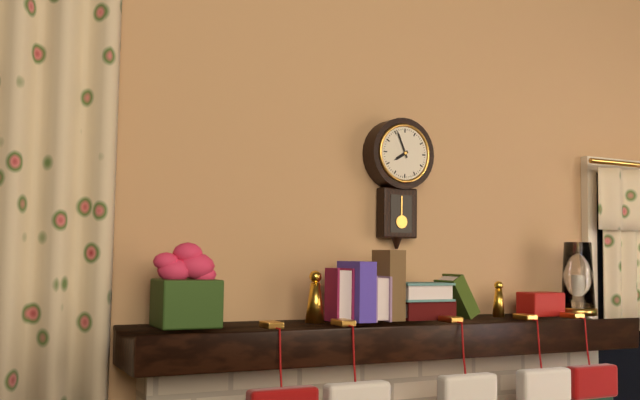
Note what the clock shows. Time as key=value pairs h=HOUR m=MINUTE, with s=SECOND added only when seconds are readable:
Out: h=7 m=56
